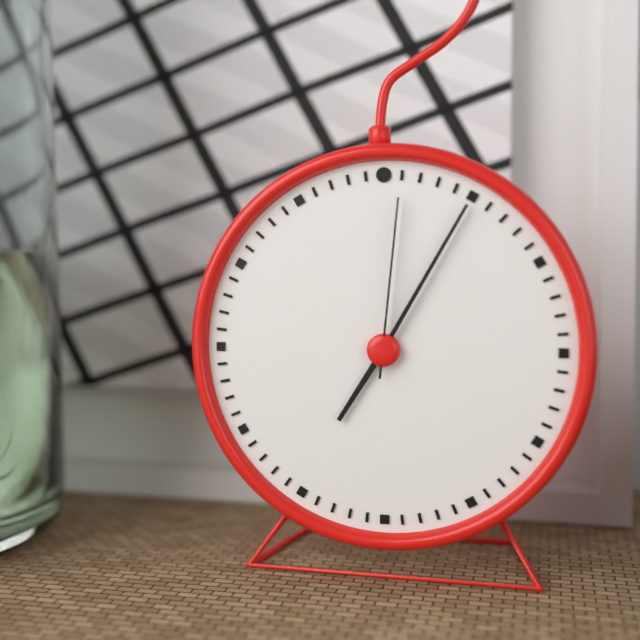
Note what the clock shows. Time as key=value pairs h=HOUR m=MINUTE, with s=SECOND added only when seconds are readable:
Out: h=7 m=5 s=1
